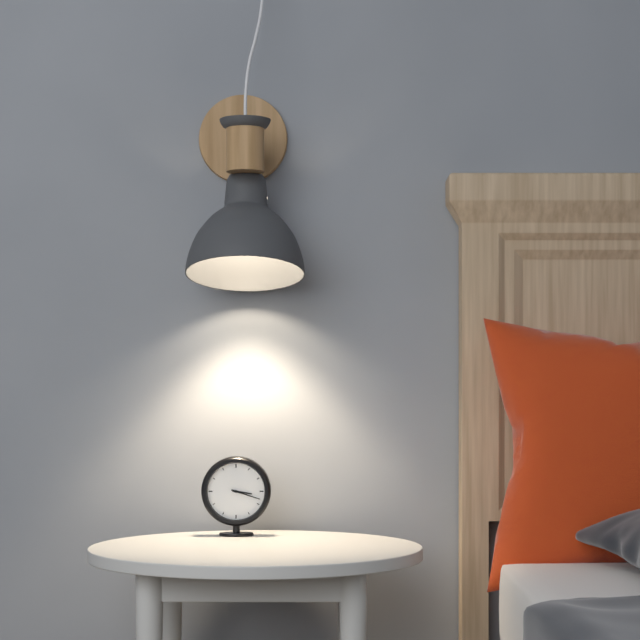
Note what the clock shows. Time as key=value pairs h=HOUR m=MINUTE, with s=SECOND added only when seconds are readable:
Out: h=3 m=18
